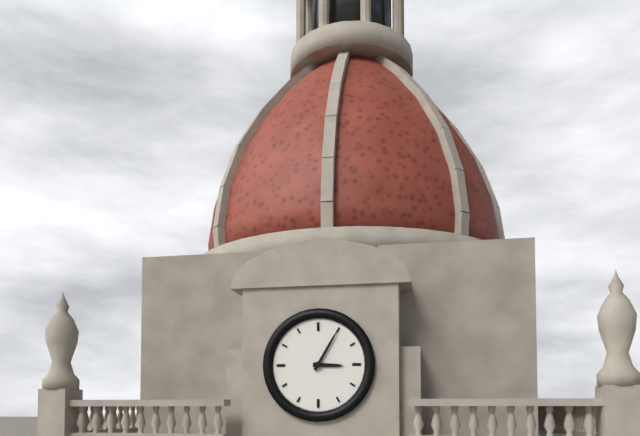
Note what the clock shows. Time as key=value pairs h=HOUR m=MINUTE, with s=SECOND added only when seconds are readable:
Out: h=3 m=5
